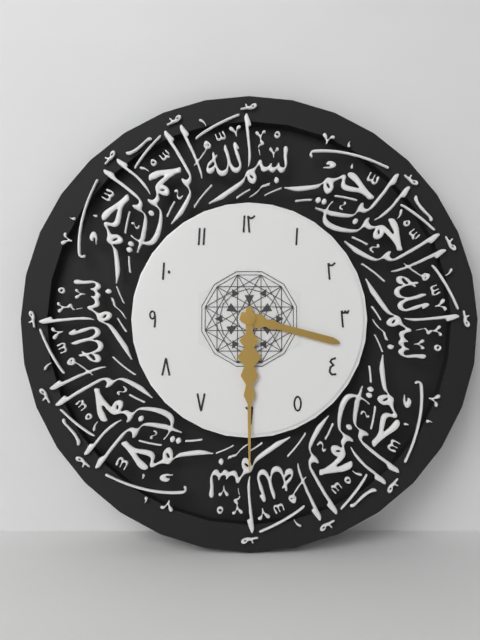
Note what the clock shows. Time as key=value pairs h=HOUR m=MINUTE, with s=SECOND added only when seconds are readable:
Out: h=3 m=30
